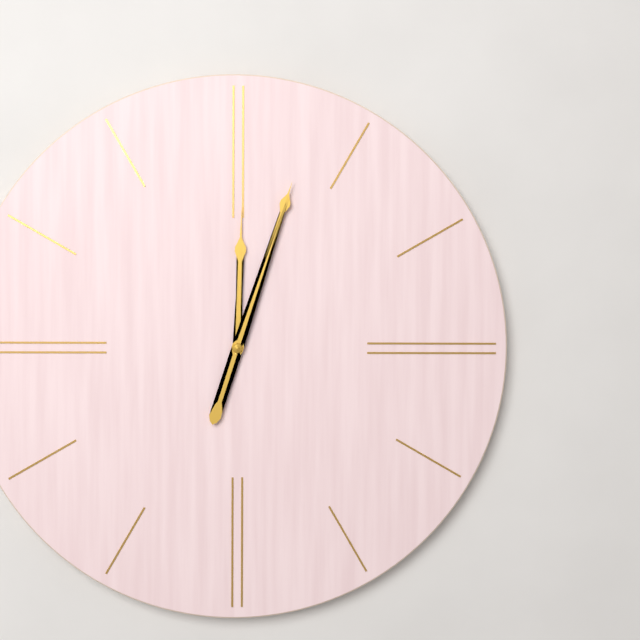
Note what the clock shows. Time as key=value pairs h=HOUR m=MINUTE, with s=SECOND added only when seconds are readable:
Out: h=12 m=3
